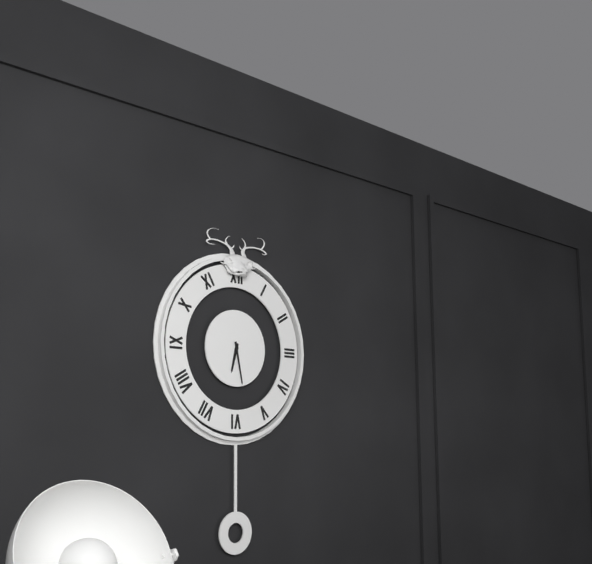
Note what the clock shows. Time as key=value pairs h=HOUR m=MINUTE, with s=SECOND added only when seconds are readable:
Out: h=6 m=28
